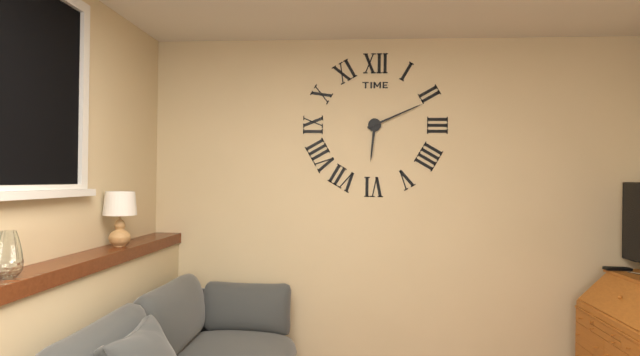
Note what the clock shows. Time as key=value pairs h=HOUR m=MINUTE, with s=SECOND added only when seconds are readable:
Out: h=6 m=11
